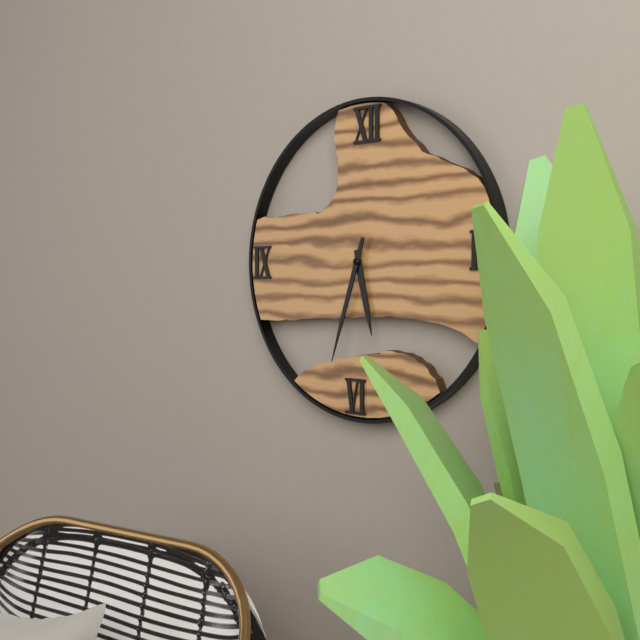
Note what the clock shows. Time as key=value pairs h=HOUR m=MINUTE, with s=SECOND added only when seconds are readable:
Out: h=5 m=33
